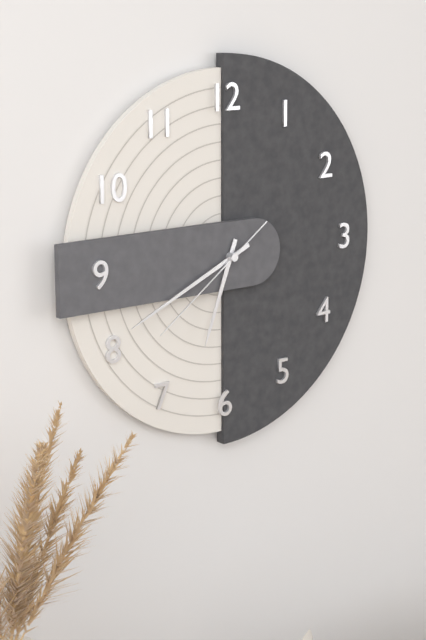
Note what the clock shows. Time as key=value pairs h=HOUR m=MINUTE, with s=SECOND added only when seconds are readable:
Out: h=6 m=41 s=39
